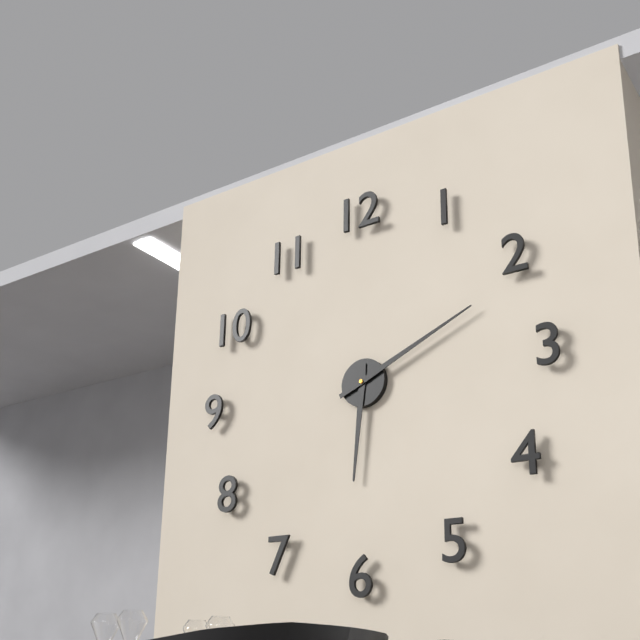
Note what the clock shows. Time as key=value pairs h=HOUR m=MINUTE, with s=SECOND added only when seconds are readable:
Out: h=6 m=11
